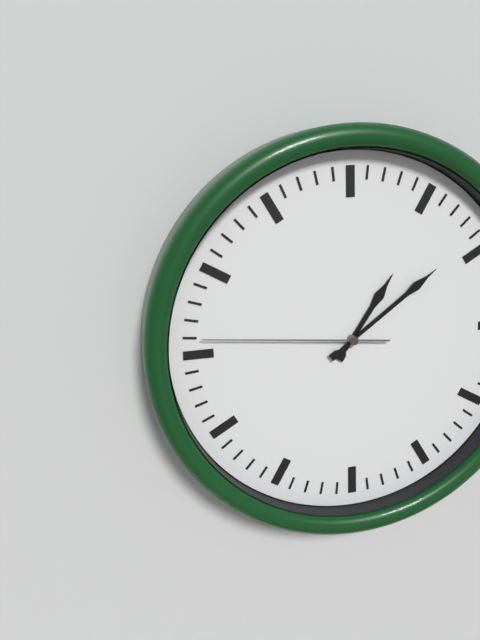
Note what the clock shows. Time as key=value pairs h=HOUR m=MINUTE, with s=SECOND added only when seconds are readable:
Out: h=1 m=9 s=46
